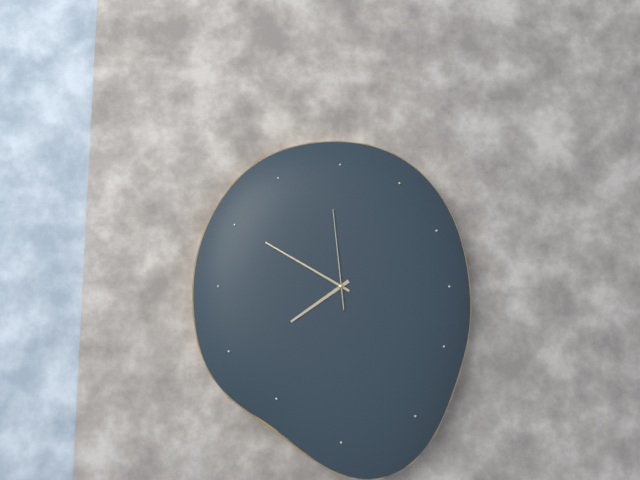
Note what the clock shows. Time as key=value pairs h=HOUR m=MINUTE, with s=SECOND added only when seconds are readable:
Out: h=7 m=50 s=59
